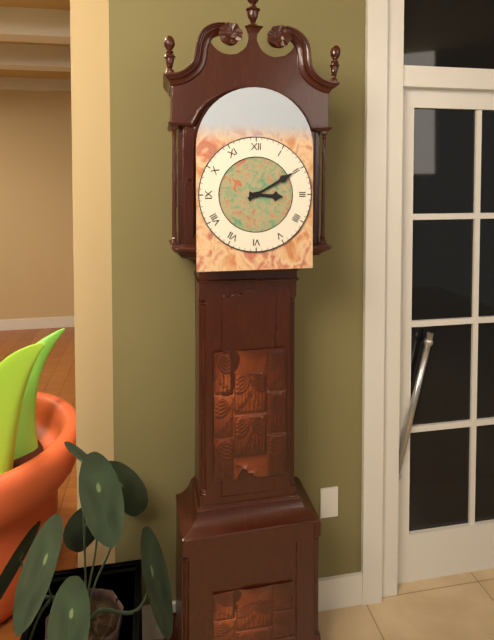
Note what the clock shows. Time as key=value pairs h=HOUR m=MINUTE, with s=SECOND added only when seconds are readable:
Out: h=3 m=10
